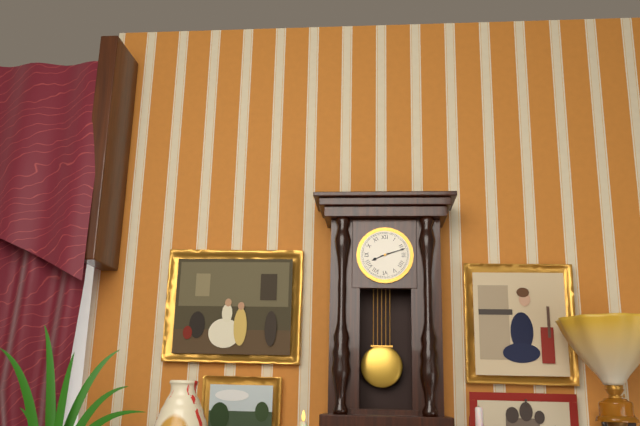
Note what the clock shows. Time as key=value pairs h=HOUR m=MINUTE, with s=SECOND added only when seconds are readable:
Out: h=8 m=12
